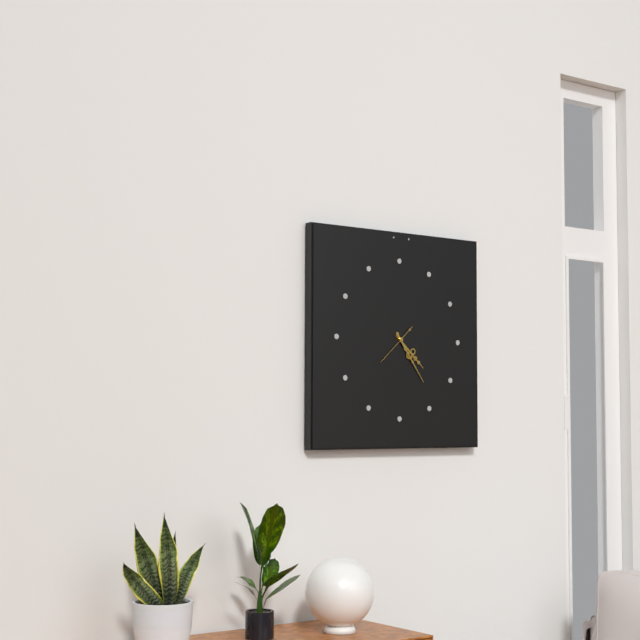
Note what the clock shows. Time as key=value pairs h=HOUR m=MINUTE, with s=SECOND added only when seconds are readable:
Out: h=4 m=24
